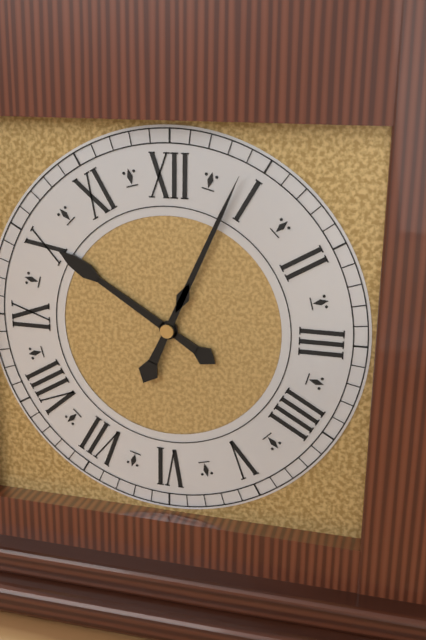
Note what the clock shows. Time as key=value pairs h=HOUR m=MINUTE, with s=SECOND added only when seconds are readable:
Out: h=10 m=4
